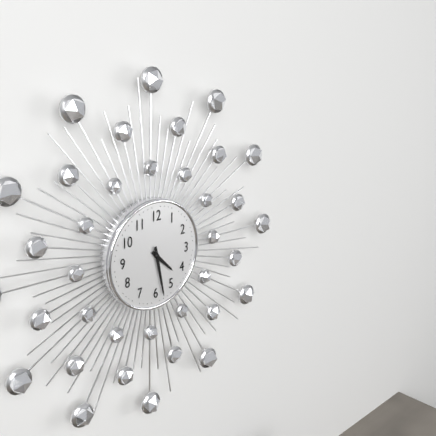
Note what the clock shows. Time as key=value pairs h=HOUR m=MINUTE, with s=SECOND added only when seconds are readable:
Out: h=4 m=28
